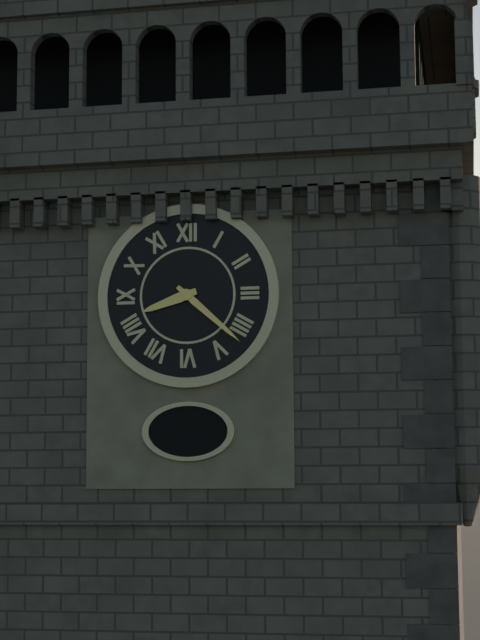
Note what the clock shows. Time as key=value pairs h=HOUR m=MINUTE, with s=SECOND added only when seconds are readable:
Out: h=8 m=22
